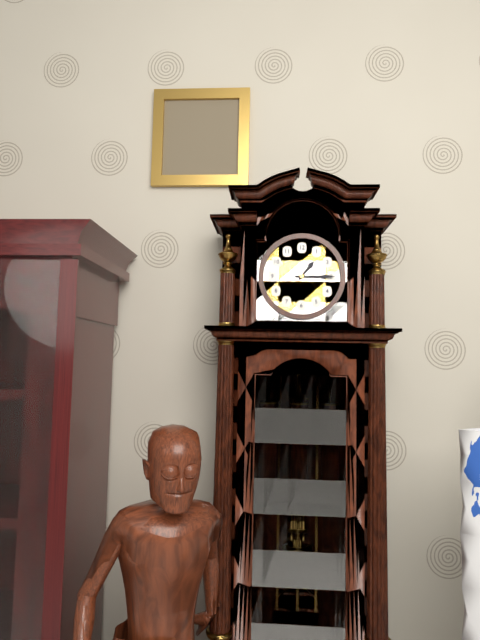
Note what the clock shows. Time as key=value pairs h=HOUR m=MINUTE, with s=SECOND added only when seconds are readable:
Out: h=1 m=15
